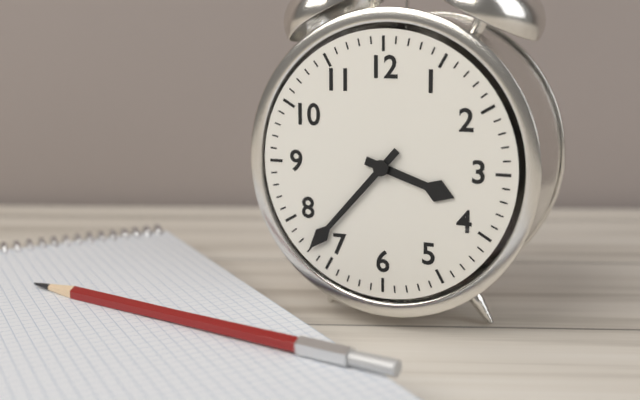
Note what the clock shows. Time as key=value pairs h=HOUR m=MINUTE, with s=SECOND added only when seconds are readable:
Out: h=3 m=37
